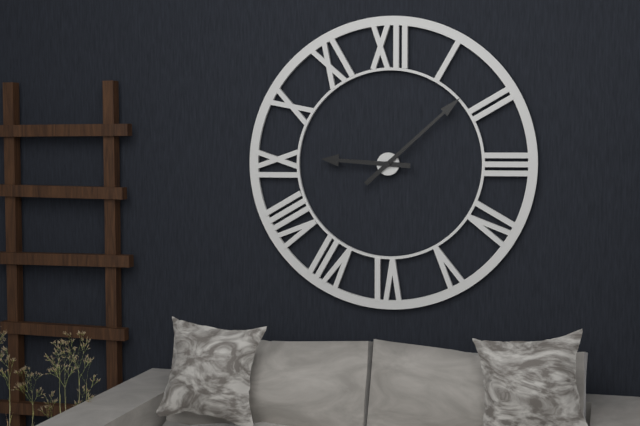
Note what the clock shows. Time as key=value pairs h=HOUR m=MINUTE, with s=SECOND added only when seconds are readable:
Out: h=9 m=8
